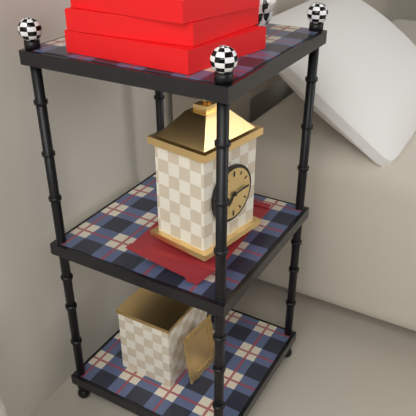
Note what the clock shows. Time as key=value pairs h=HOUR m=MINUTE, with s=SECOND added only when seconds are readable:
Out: h=7 m=14
